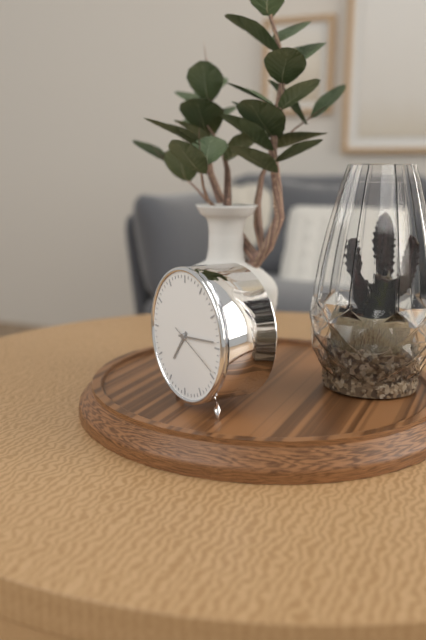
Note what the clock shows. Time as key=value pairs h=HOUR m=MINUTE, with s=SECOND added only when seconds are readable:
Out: h=7 m=14 s=19
